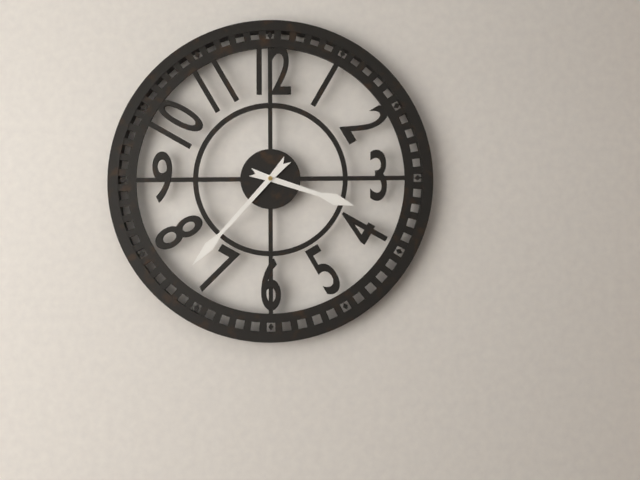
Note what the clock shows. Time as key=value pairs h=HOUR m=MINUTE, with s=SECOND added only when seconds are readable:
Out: h=3 m=37
